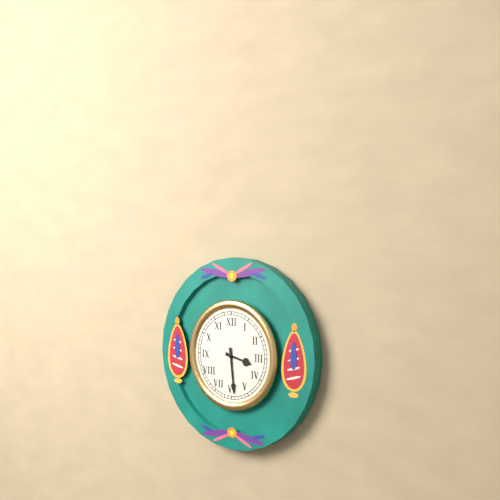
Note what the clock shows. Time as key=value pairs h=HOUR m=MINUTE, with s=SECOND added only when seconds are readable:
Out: h=3 m=29
